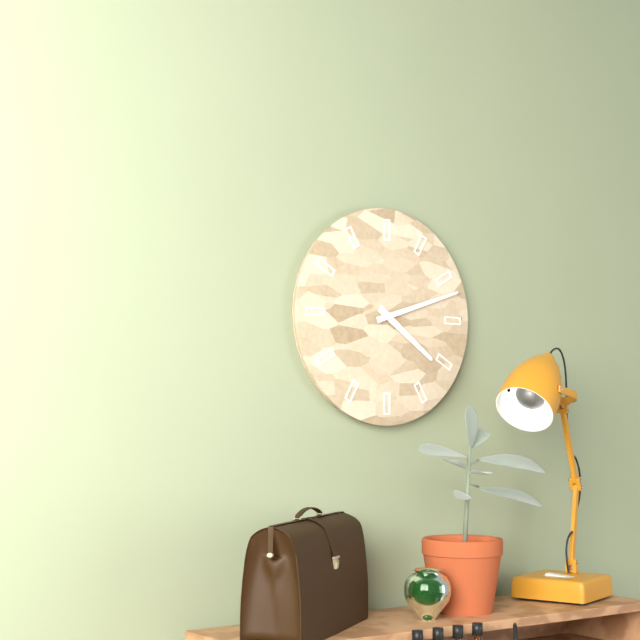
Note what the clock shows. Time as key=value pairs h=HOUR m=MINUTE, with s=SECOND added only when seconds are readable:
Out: h=4 m=12
